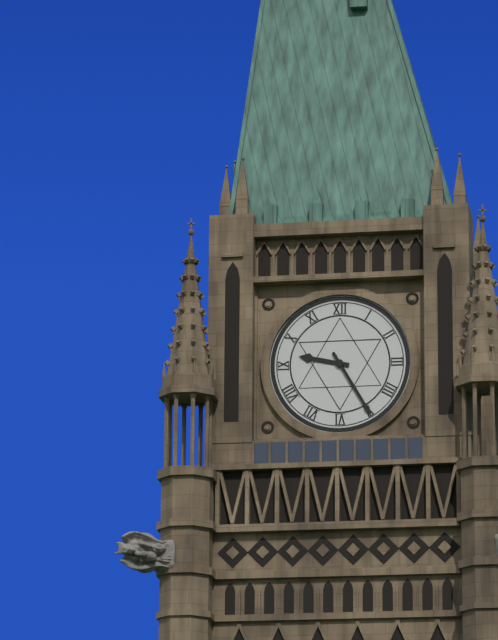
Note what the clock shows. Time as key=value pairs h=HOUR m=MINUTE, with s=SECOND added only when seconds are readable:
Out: h=9 m=25
